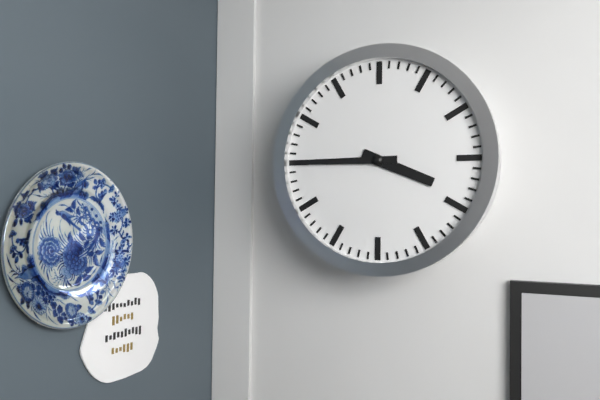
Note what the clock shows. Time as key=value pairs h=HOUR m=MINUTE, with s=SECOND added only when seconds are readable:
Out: h=3 m=45
